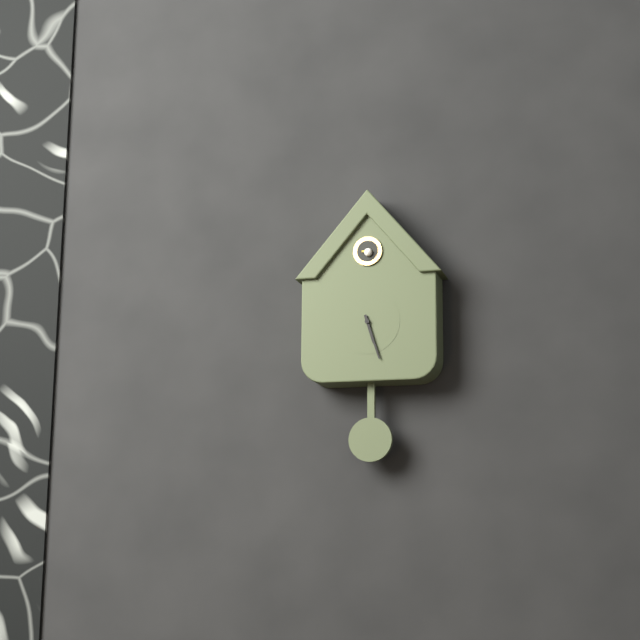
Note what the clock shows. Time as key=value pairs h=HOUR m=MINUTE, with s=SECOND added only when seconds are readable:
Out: h=5 m=27
